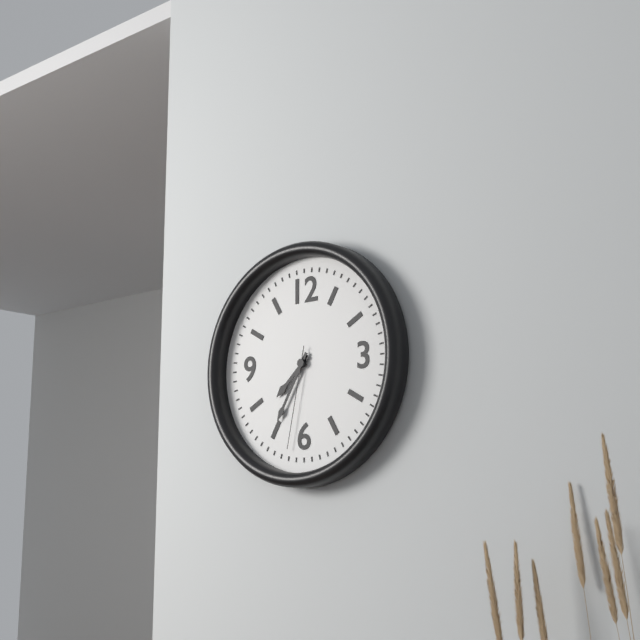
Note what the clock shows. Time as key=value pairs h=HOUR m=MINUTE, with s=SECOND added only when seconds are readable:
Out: h=7 m=35 s=32
